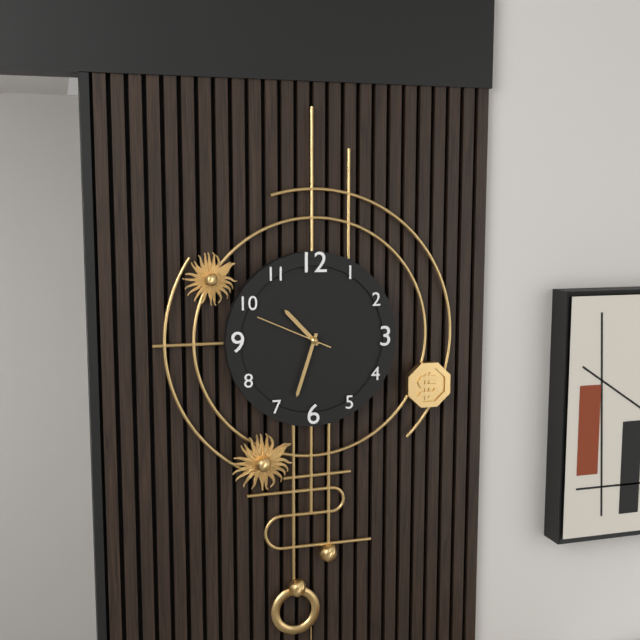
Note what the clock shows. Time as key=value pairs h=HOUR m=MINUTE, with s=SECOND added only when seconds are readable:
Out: h=10 m=33 s=49
